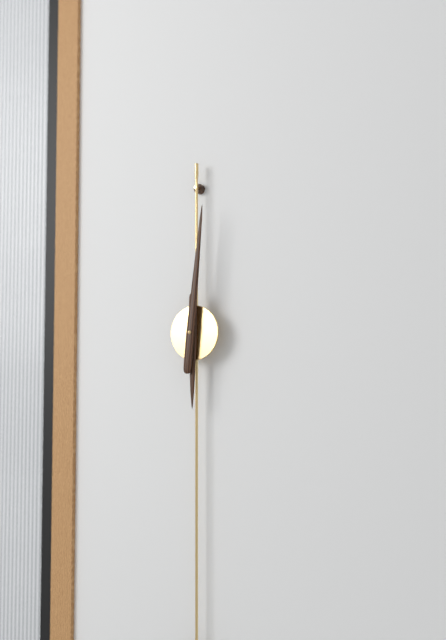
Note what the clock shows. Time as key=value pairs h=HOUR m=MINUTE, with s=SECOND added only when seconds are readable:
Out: h=6 m=1
